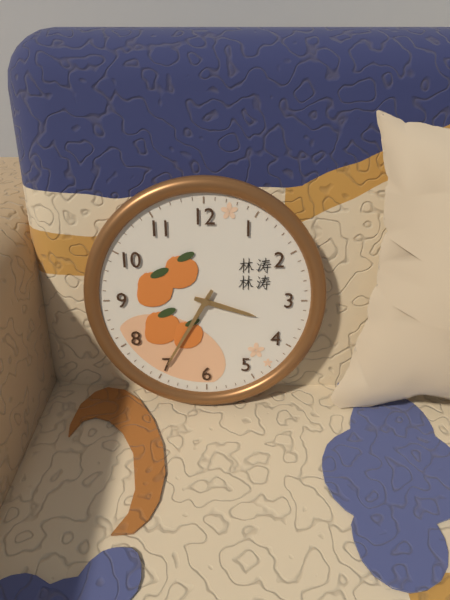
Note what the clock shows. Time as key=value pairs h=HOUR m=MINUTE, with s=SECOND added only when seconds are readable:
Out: h=3 m=35
